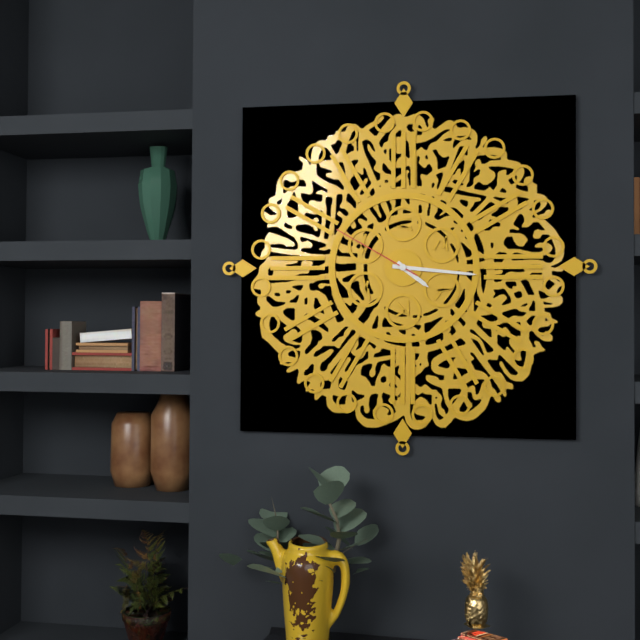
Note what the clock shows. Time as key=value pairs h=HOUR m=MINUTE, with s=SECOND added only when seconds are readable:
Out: h=4 m=16 s=50
